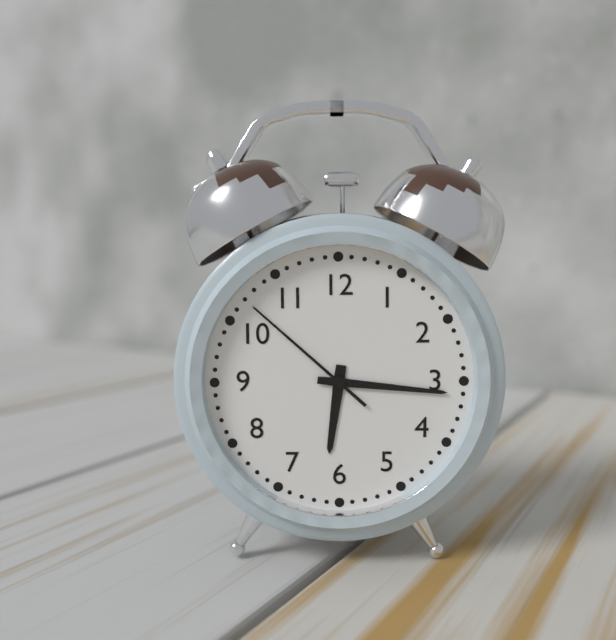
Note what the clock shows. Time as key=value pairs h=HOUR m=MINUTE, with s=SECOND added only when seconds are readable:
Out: h=6 m=16 s=52
